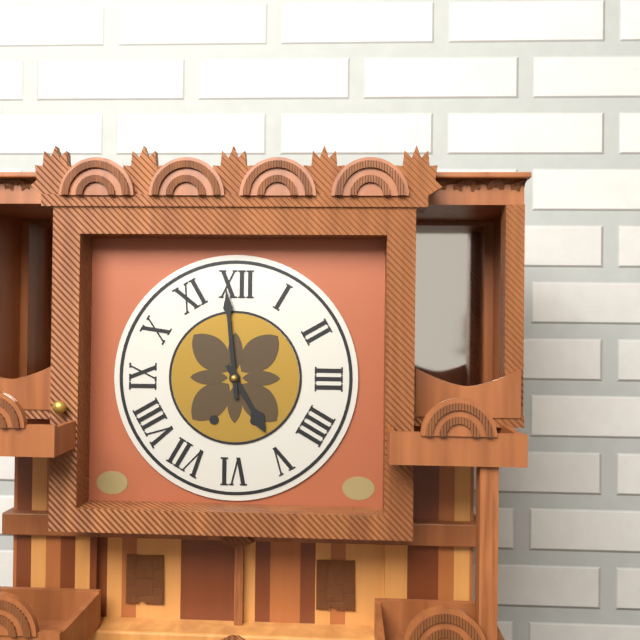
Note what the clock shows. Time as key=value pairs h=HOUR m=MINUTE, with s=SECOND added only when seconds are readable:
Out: h=4 m=59
